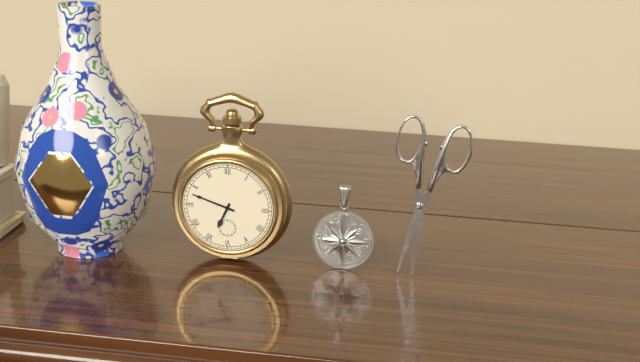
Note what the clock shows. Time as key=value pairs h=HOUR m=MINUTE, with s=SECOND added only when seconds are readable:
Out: h=6 m=48
